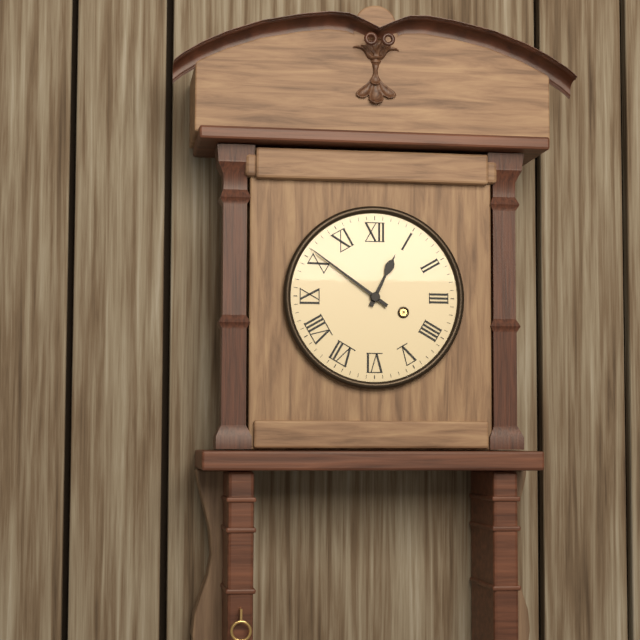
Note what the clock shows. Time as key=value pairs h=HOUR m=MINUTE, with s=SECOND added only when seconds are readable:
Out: h=12 m=51
